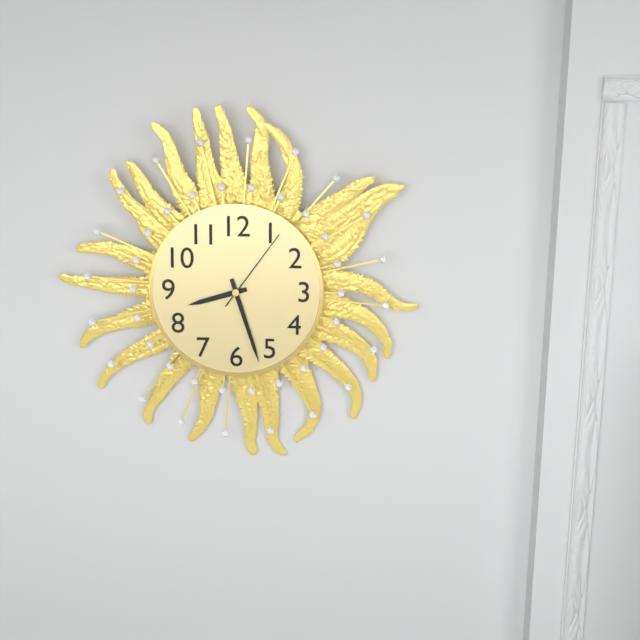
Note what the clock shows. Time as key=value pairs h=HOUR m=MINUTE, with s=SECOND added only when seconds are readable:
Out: h=8 m=27 s=6
